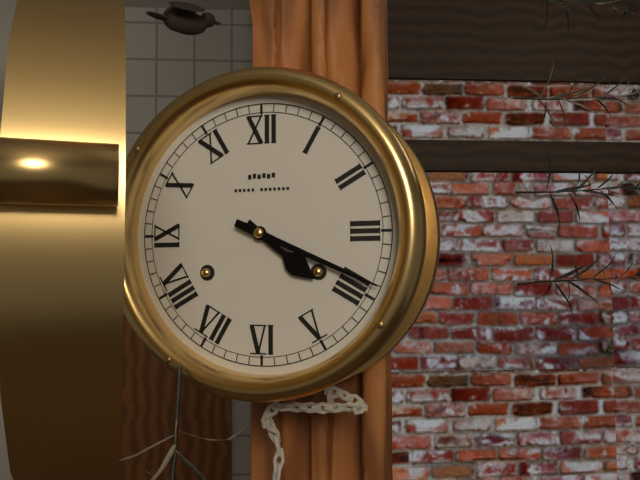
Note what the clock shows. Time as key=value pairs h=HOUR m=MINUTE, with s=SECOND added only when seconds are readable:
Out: h=4 m=19
